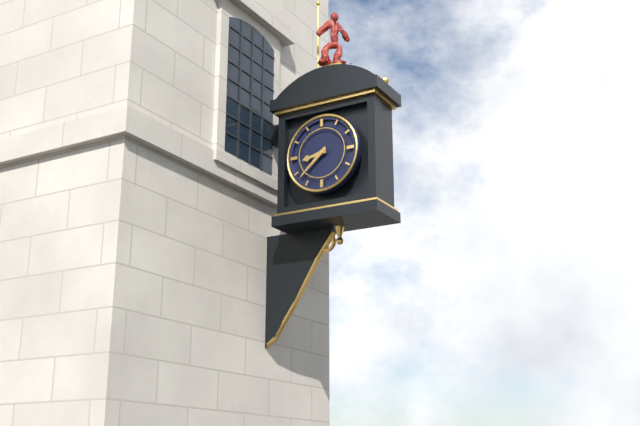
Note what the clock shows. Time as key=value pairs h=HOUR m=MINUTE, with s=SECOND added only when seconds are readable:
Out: h=8 m=38
